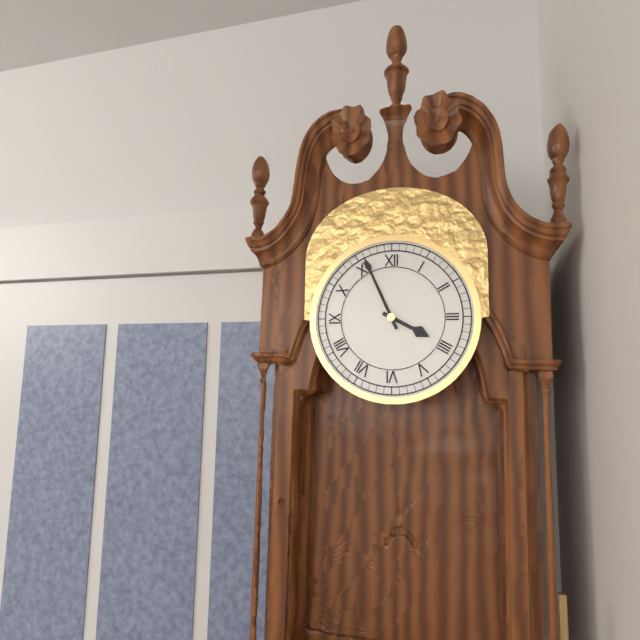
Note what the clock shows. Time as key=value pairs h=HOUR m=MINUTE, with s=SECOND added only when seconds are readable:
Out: h=3 m=56
